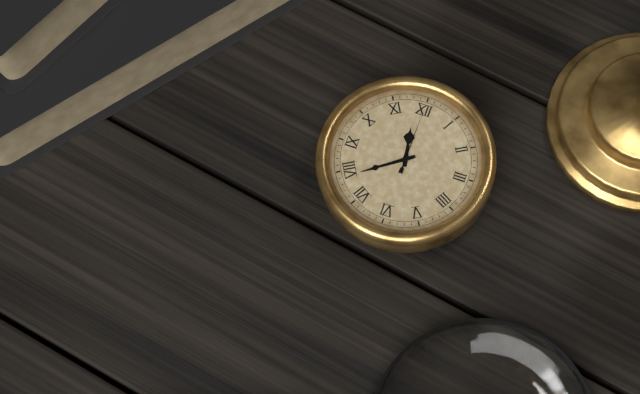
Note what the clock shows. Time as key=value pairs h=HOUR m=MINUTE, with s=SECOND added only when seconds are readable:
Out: h=11 m=39 s=0
